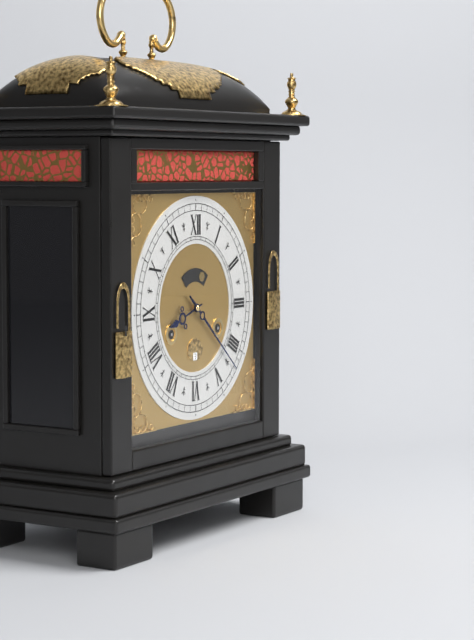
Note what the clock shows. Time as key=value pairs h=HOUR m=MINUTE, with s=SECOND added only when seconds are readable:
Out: h=8 m=22
